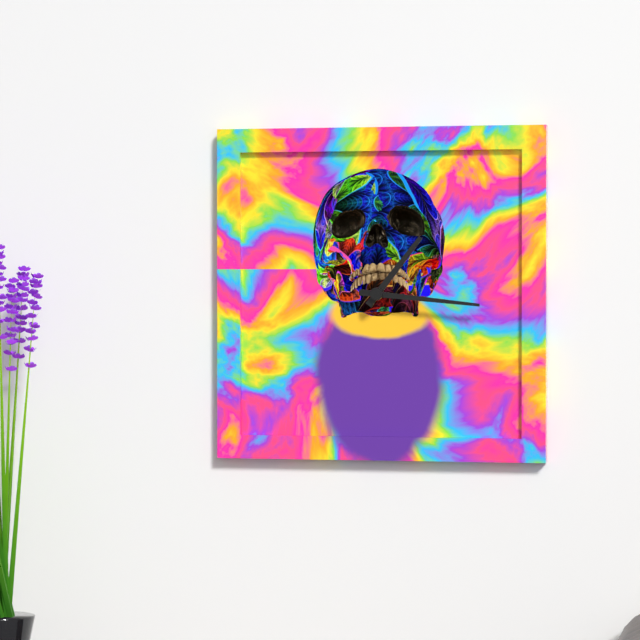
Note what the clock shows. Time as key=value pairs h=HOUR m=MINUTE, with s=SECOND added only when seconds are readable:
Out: h=1 m=16
